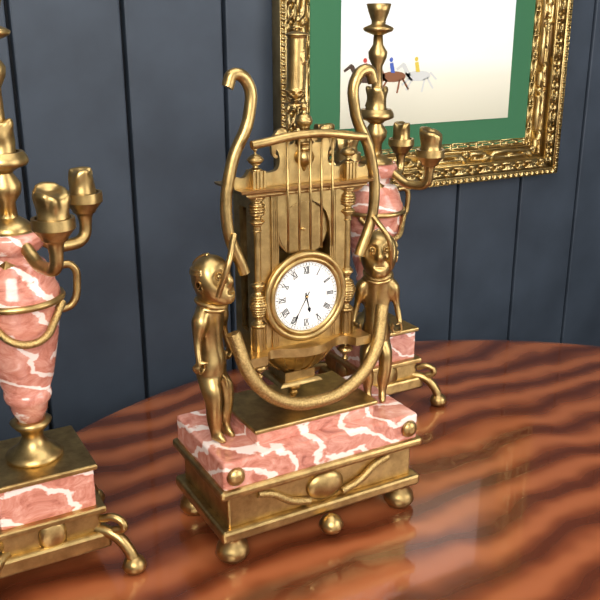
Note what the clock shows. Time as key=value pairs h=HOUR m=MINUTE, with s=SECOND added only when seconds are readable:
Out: h=5 m=35
